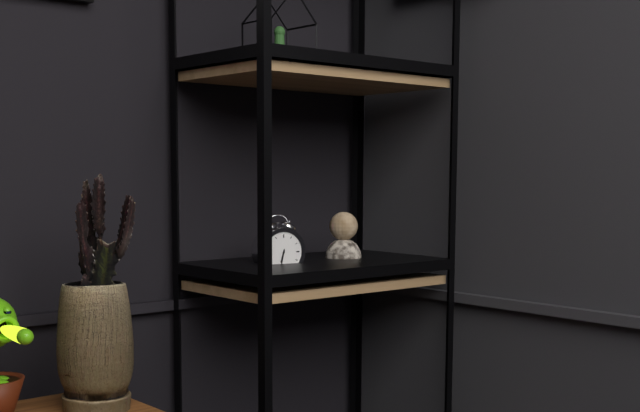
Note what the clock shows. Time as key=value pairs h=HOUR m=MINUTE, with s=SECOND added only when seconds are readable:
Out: h=6 m=32
